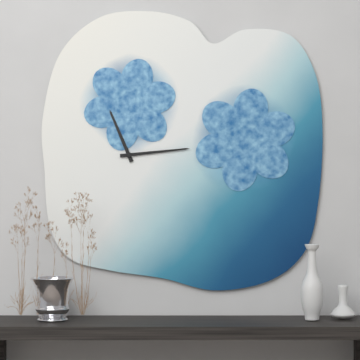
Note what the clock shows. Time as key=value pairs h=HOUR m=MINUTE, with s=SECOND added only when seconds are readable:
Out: h=11 m=14
